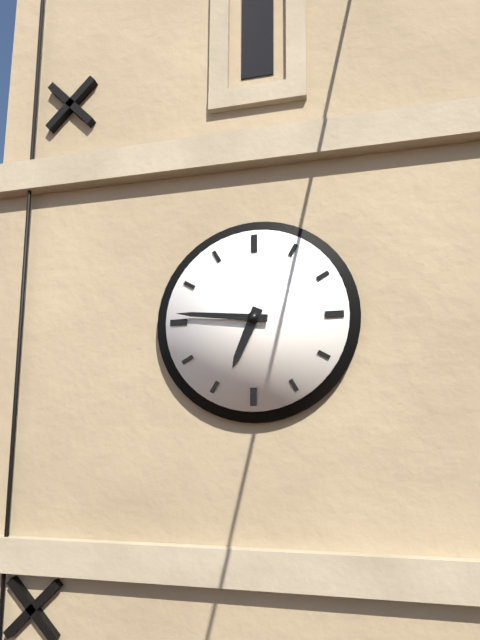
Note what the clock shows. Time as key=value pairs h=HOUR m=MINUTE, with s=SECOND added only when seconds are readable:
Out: h=6 m=46
